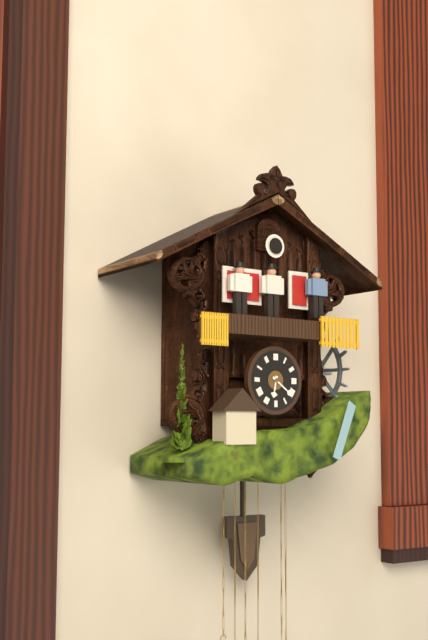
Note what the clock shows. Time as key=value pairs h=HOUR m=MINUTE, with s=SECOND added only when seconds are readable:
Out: h=6 m=21
